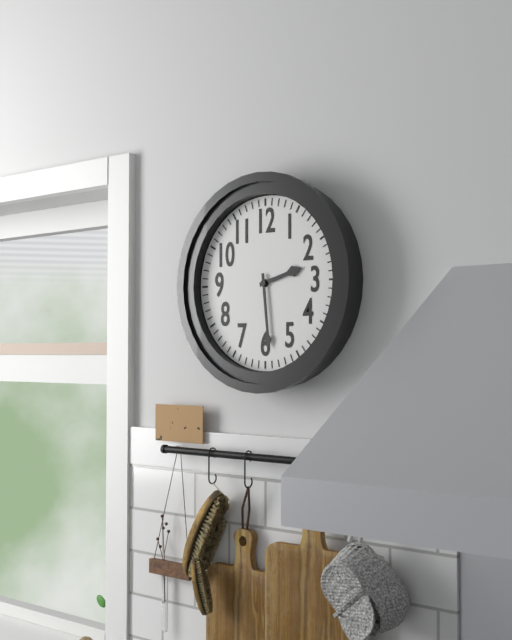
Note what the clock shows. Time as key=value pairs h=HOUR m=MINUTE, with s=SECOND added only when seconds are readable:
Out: h=2 m=29
